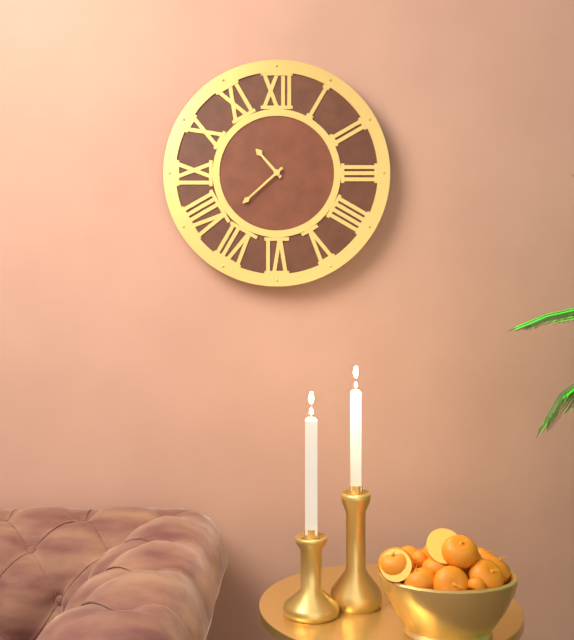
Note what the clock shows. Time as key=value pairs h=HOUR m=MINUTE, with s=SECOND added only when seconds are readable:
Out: h=10 m=38
